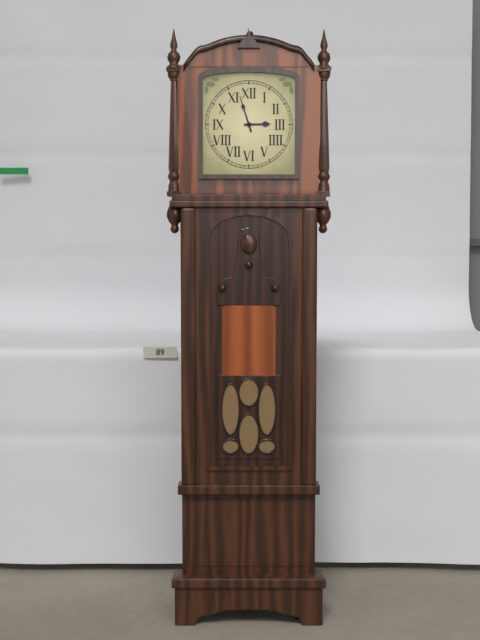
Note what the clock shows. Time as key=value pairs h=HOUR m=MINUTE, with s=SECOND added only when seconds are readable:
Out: h=2 m=57
